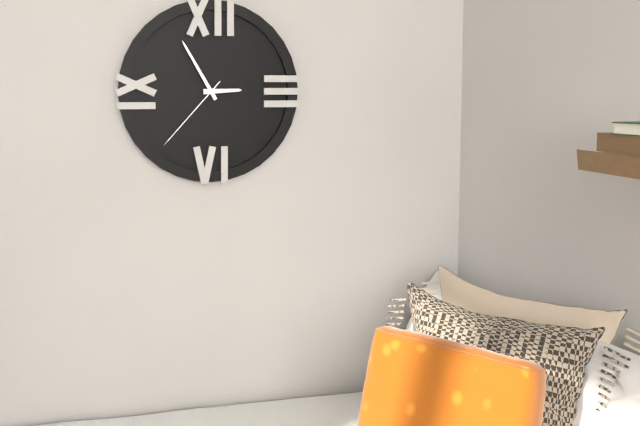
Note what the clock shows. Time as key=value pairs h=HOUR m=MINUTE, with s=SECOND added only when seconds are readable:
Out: h=2 m=55 s=37
